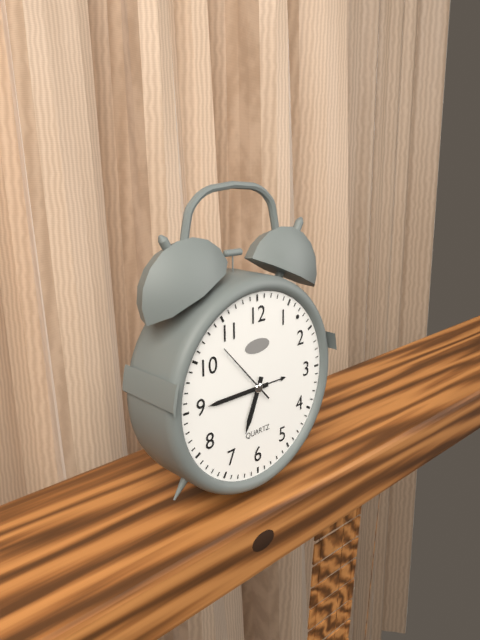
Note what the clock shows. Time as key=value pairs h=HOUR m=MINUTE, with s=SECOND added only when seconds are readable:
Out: h=6 m=45 s=53
